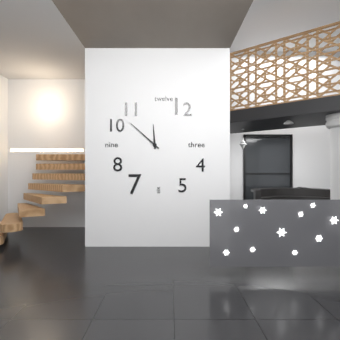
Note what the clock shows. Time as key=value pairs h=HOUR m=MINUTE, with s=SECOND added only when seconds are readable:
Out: h=11 m=52
